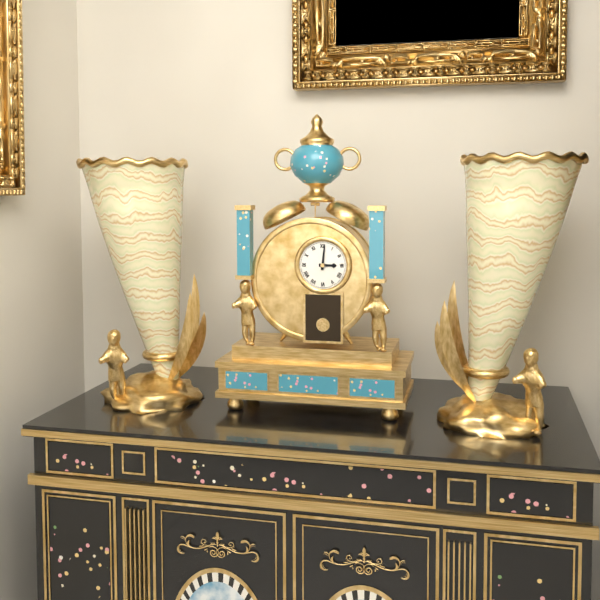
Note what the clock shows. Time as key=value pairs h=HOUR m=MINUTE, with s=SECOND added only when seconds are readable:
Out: h=3 m=1
